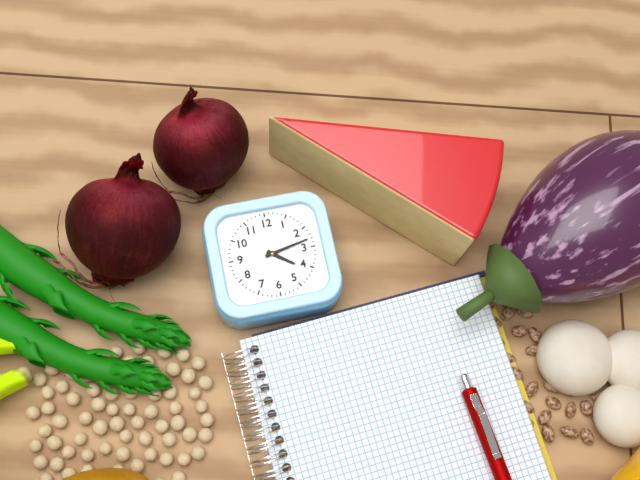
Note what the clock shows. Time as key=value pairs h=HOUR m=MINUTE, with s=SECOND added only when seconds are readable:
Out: h=4 m=13
